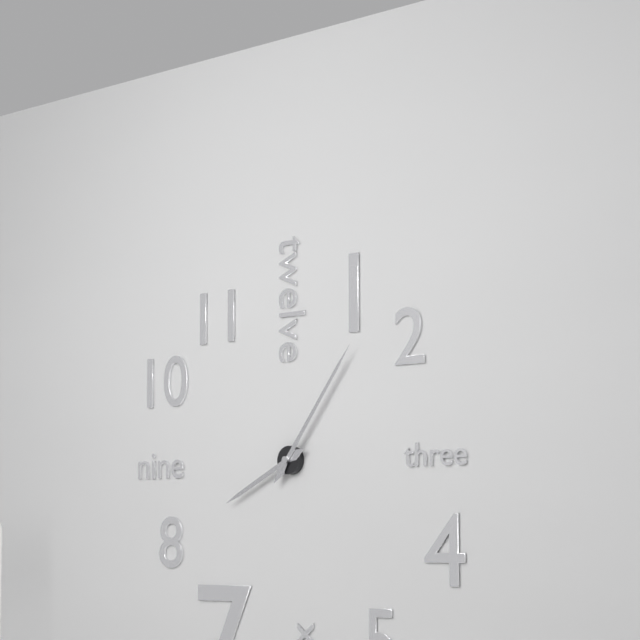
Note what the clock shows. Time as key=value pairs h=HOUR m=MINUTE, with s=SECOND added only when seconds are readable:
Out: h=8 m=6
